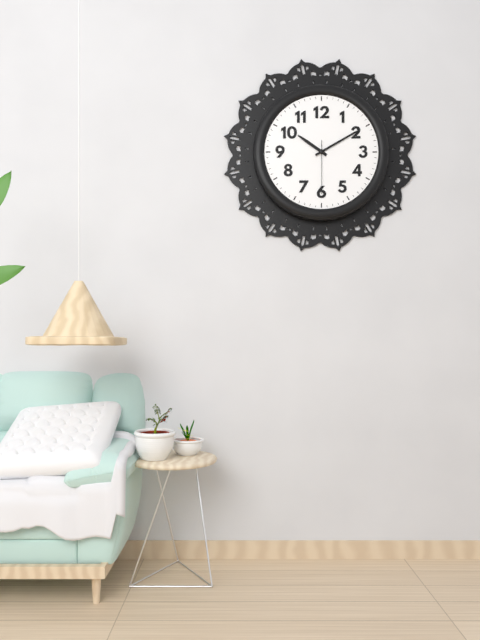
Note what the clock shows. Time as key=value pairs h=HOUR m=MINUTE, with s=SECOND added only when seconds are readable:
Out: h=10 m=10 s=30
